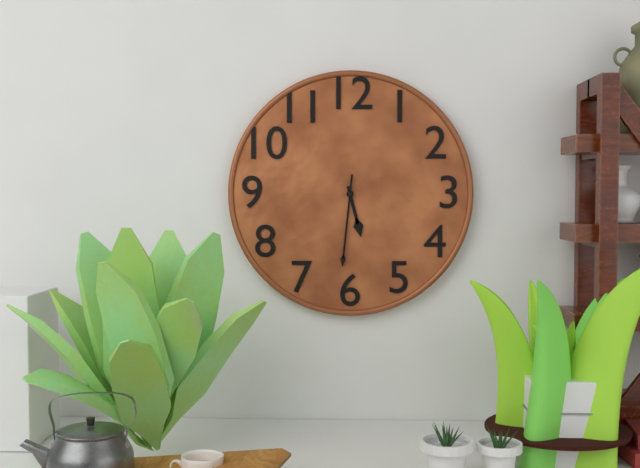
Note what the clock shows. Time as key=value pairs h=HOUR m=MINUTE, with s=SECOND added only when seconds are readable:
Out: h=5 m=31
